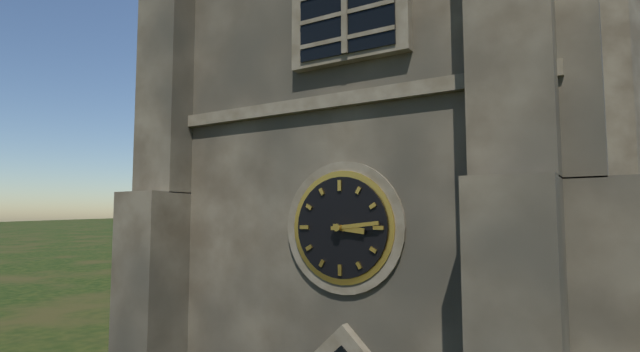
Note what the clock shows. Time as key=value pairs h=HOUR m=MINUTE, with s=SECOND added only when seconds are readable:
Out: h=3 m=14
